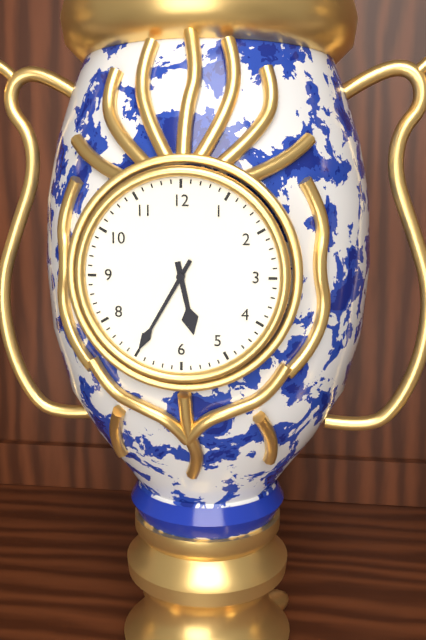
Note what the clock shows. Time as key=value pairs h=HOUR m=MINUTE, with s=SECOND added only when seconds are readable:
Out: h=5 m=35
